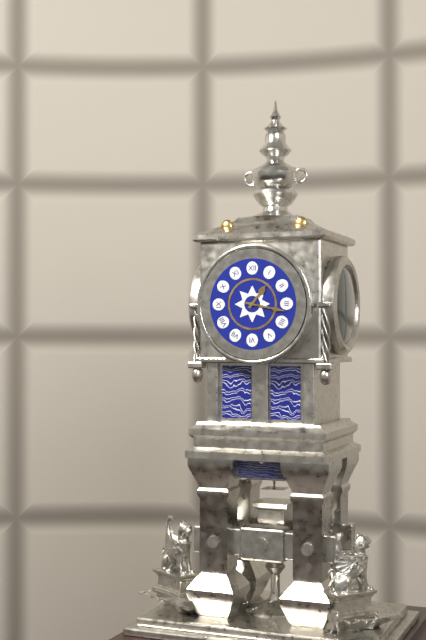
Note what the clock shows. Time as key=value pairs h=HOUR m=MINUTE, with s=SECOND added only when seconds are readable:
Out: h=1 m=17
